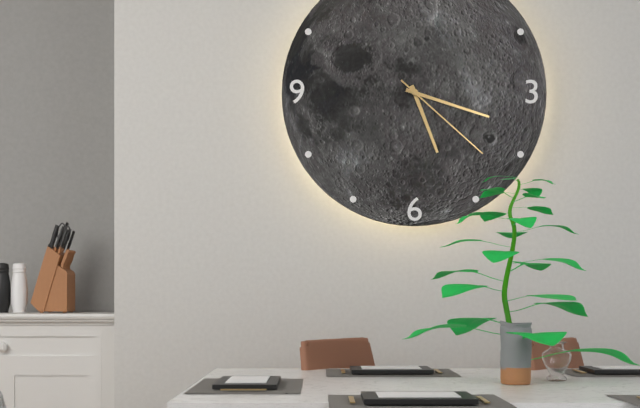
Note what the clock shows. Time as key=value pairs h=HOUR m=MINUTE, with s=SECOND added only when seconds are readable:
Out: h=5 m=18 s=22
